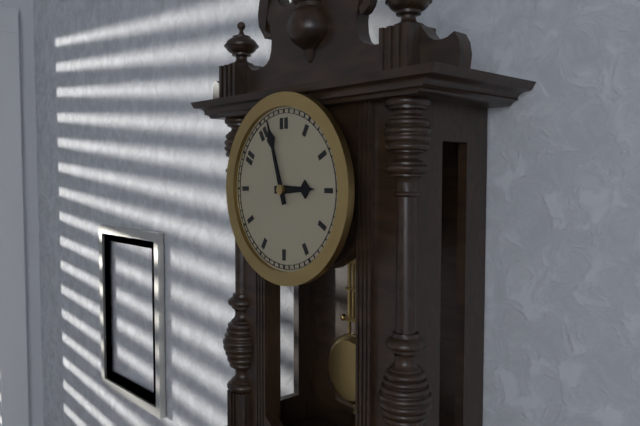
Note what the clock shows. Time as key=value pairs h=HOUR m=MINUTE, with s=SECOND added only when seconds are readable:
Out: h=2 m=57
